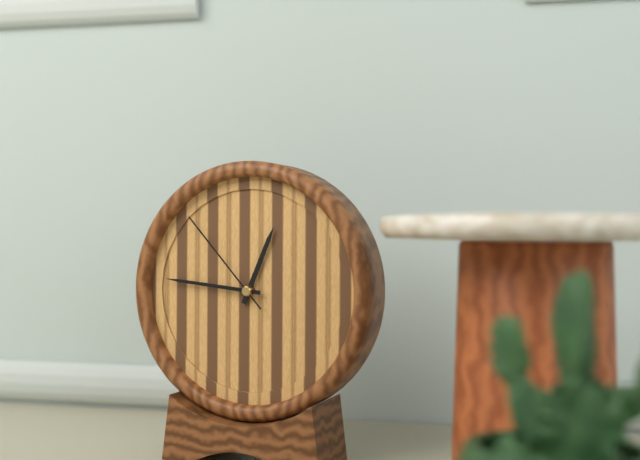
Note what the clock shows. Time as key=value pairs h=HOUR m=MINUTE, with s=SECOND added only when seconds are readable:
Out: h=12 m=46 s=53
